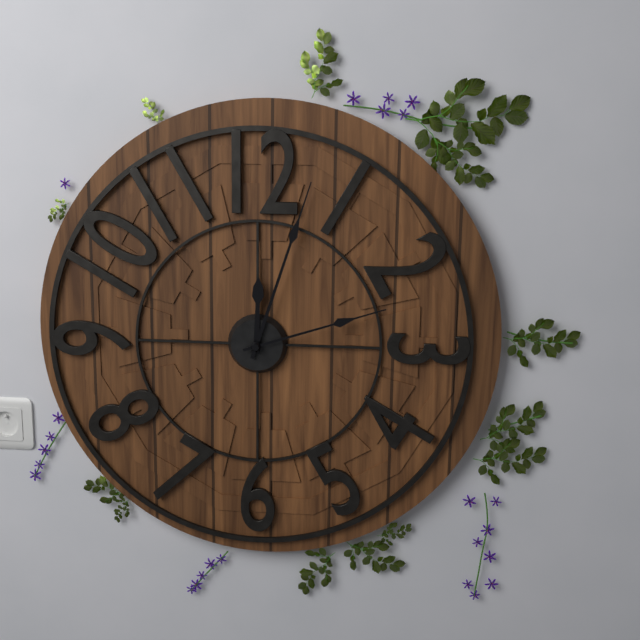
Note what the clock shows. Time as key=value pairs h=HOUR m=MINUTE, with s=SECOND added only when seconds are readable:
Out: h=12 m=3 s=12
